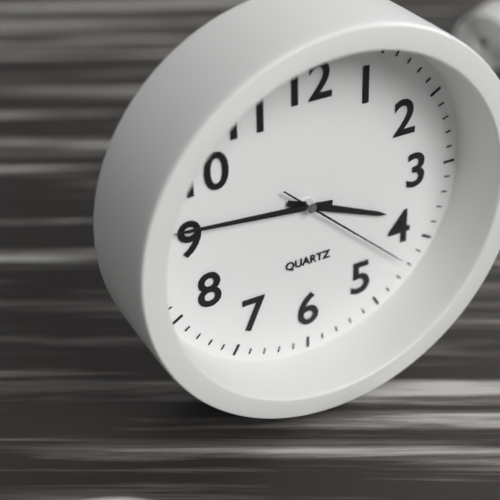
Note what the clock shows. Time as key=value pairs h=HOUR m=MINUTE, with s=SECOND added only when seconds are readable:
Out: h=3 m=46 s=22
